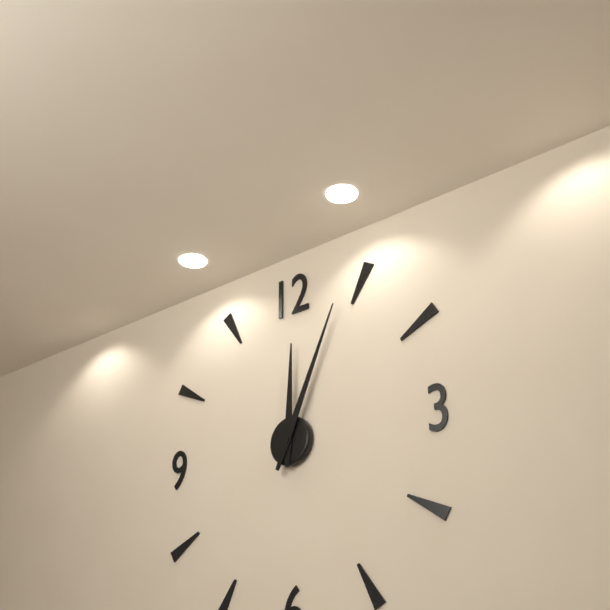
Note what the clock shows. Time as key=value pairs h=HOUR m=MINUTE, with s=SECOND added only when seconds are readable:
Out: h=12 m=4
